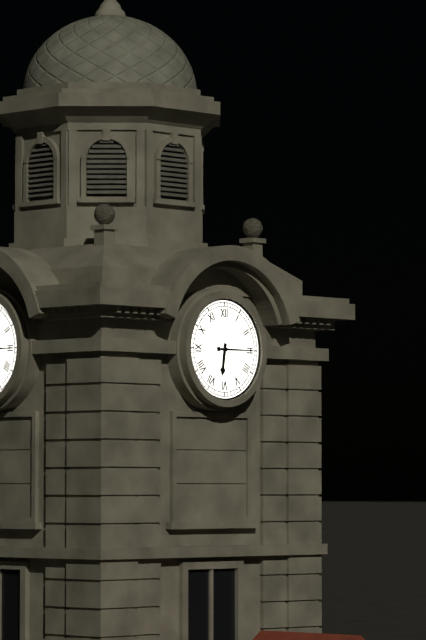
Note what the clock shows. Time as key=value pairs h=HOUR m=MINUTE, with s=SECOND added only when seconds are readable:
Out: h=6 m=15
